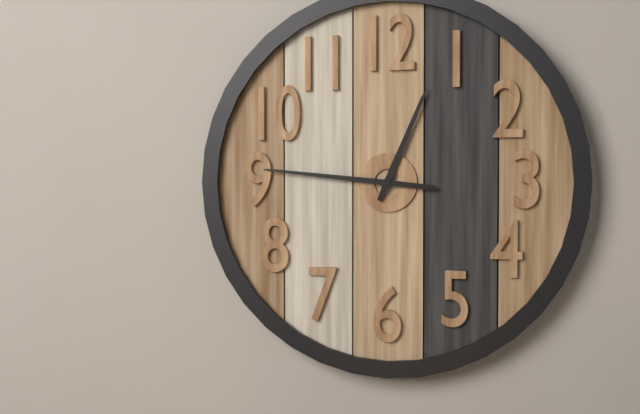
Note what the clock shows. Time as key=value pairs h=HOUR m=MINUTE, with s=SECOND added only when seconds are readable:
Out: h=12 m=46
